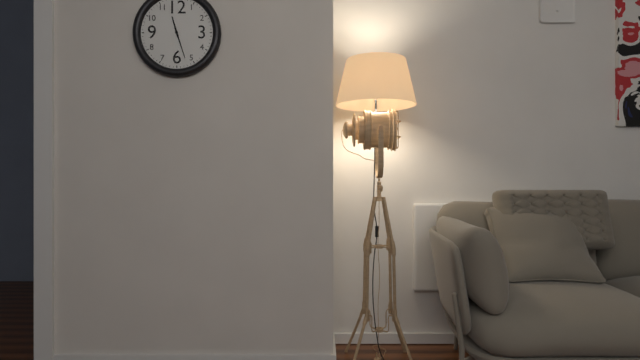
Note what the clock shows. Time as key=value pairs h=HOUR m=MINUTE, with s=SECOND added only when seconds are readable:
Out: h=11 m=27
